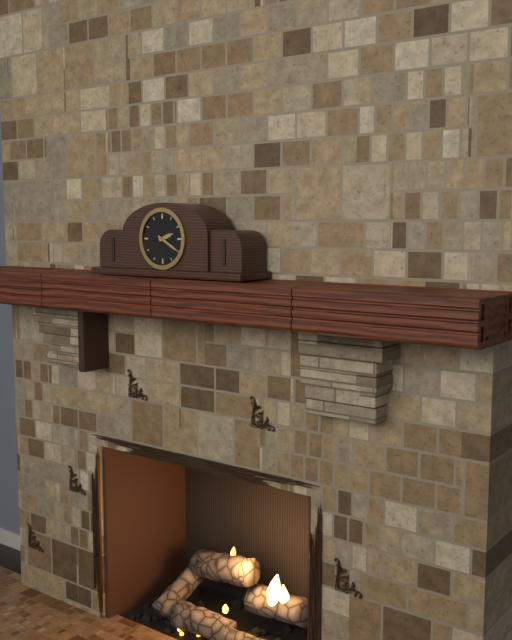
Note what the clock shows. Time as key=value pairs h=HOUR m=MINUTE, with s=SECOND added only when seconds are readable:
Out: h=2 m=20
